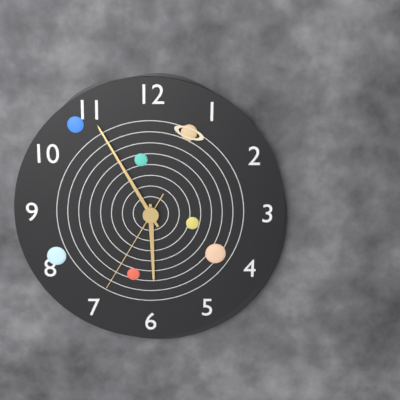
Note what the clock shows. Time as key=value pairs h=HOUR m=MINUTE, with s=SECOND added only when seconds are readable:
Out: h=5 m=55 s=35
